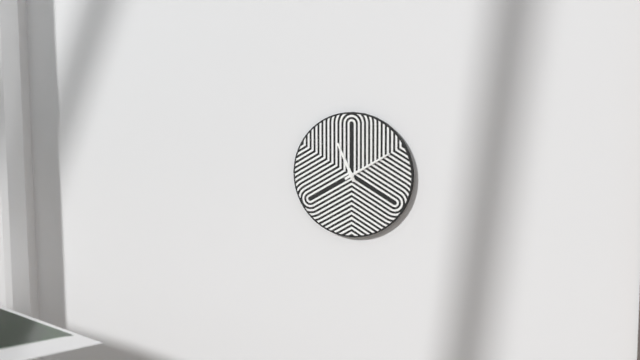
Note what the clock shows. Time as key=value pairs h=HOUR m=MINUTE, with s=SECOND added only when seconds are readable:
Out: h=11 m=10
